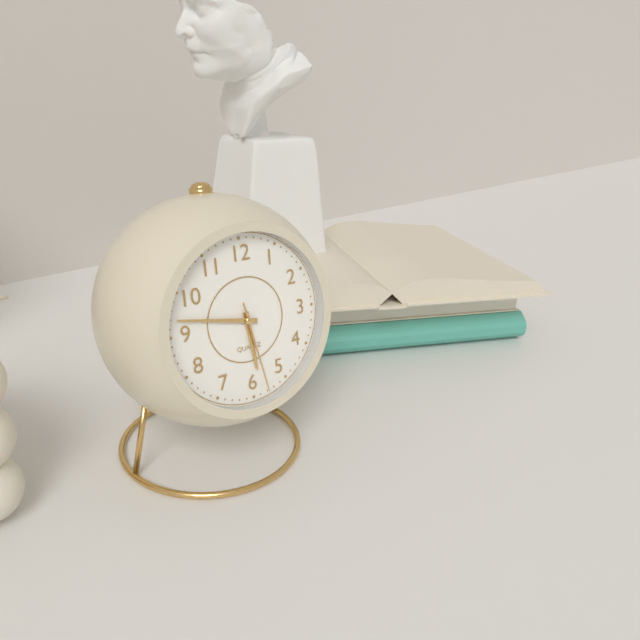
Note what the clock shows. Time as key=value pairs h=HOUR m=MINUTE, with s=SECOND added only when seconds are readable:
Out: h=5 m=47 s=28
